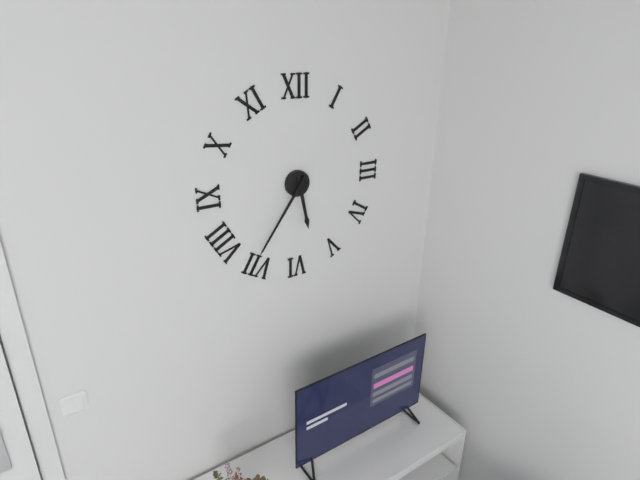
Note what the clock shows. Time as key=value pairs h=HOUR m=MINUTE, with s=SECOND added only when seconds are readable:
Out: h=5 m=36
